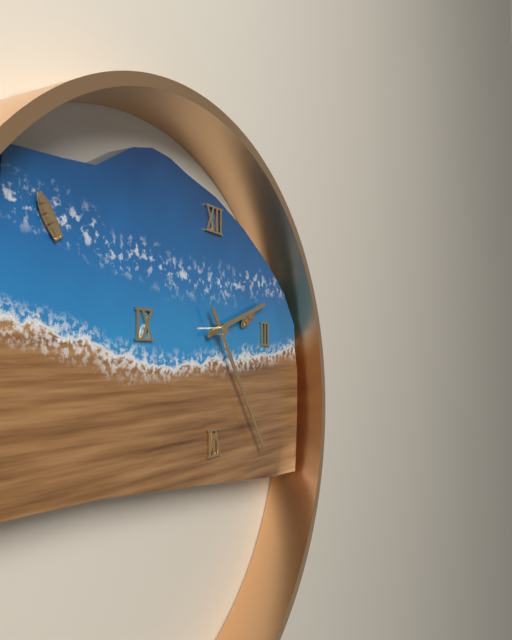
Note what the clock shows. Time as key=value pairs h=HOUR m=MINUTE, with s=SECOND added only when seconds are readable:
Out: h=2 m=24
